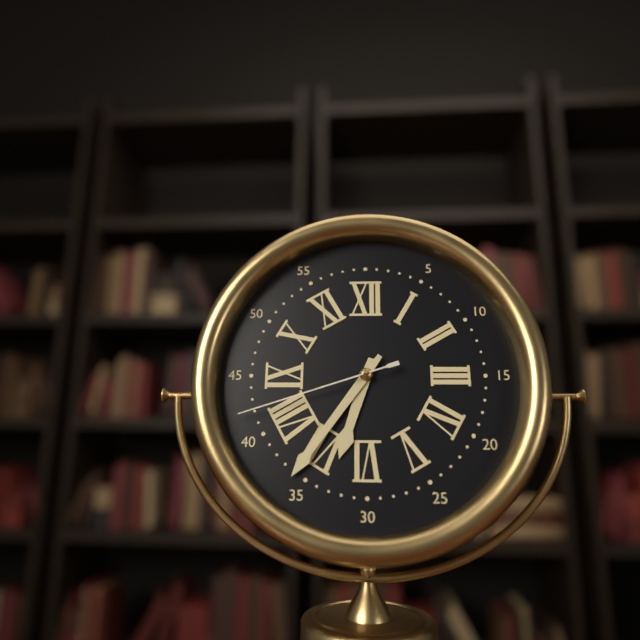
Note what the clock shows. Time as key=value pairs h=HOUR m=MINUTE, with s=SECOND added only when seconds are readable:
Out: h=6 m=36 s=42
